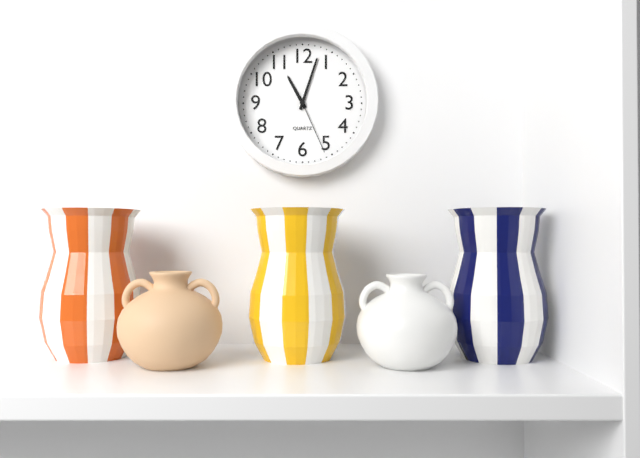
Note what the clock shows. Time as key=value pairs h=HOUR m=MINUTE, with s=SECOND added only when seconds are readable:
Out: h=11 m=3 s=26
